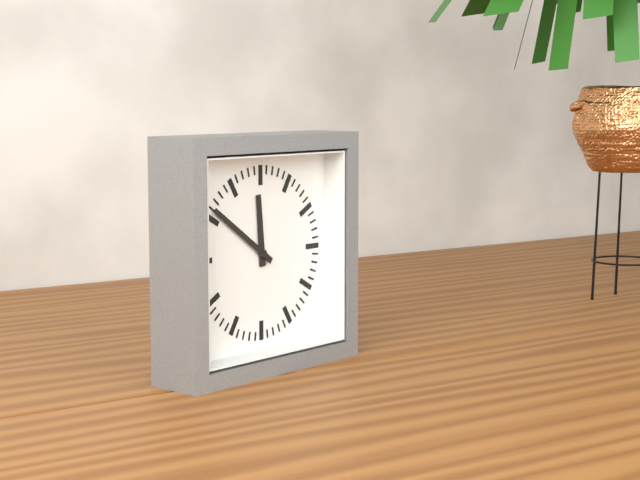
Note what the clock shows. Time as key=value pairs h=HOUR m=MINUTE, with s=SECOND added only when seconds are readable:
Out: h=11 m=51
